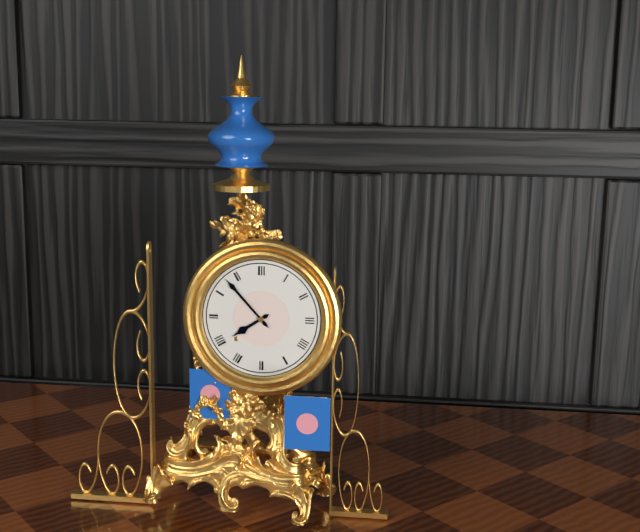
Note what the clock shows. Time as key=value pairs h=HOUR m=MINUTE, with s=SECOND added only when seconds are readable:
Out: h=7 m=53
